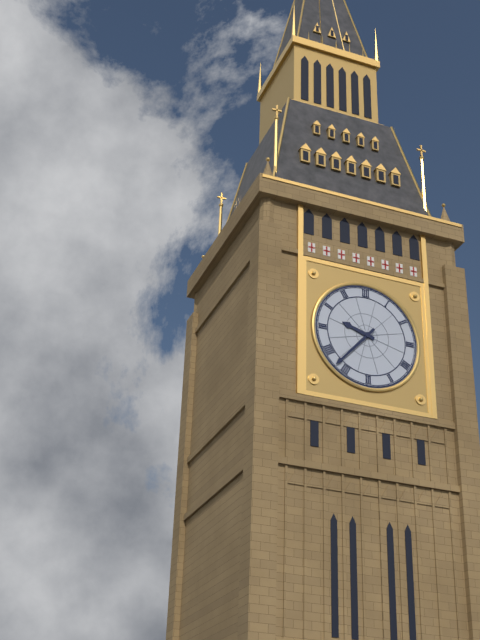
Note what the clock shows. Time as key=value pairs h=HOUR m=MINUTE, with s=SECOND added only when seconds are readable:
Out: h=9 m=37
